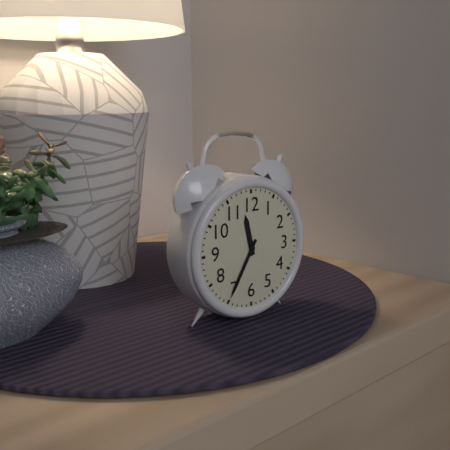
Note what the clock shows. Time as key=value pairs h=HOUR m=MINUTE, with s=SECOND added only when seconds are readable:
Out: h=11 m=35
